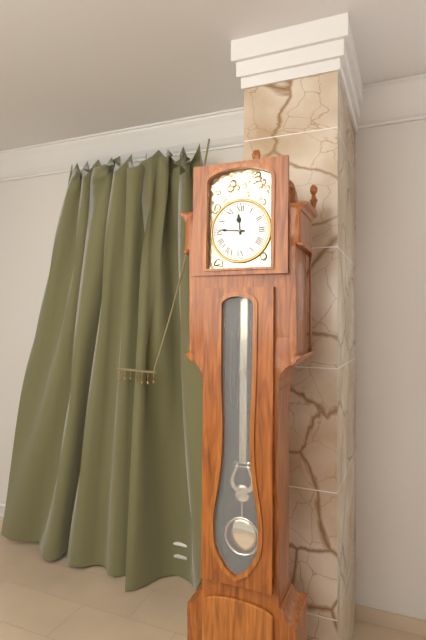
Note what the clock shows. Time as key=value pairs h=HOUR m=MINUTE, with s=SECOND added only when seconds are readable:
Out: h=11 m=46
